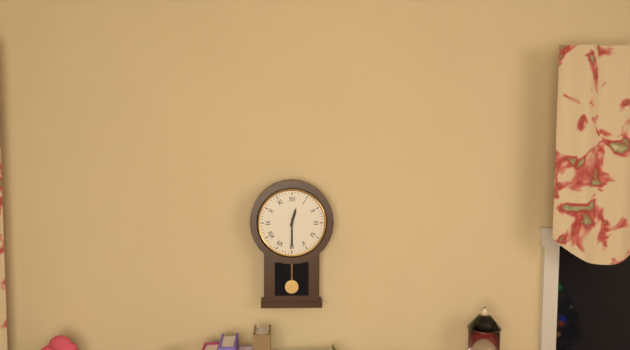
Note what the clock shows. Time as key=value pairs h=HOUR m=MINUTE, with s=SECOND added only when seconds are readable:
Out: h=12 m=30
